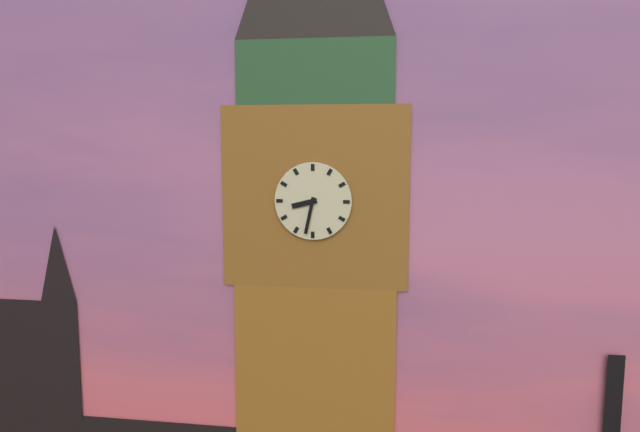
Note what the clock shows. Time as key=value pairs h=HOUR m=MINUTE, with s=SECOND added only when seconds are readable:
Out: h=8 m=32
